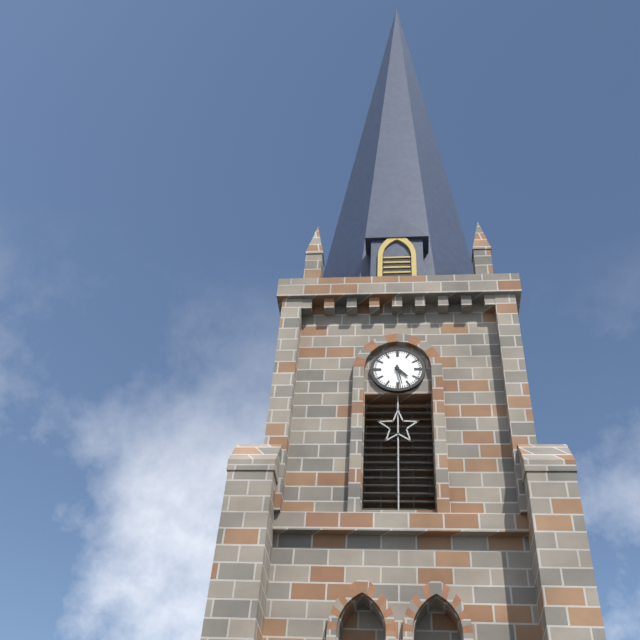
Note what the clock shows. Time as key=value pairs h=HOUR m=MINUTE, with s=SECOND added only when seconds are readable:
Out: h=4 m=28
